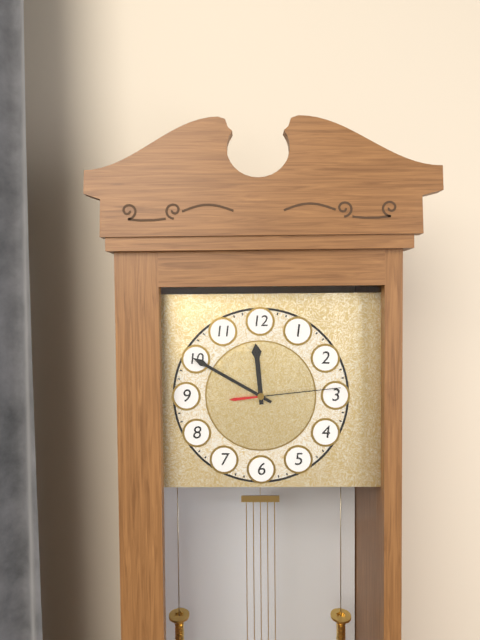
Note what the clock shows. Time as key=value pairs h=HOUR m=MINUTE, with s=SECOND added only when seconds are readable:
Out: h=11 m=50 s=14
